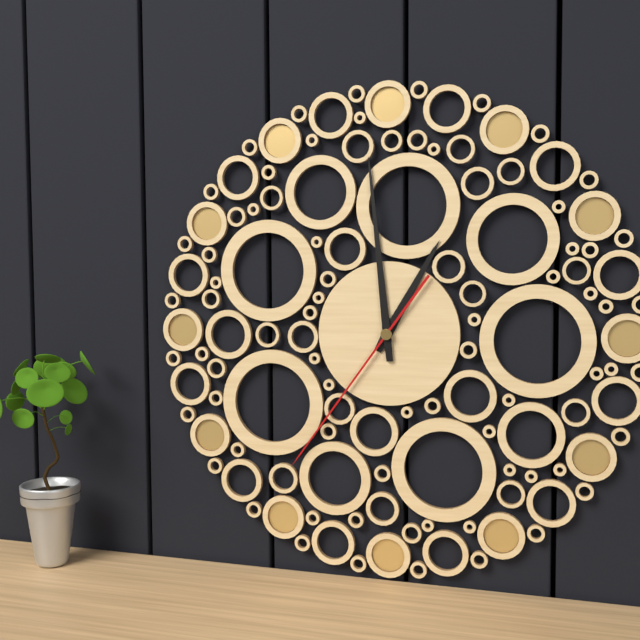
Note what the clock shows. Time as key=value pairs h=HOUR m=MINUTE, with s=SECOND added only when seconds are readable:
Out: h=12 m=59 s=36
